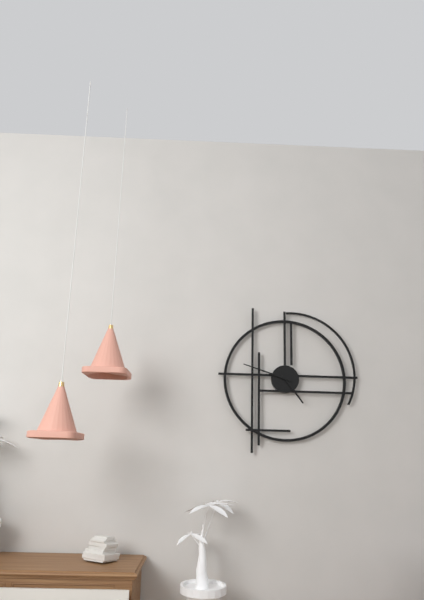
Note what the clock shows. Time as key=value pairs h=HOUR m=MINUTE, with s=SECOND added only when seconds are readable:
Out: h=4 m=48
